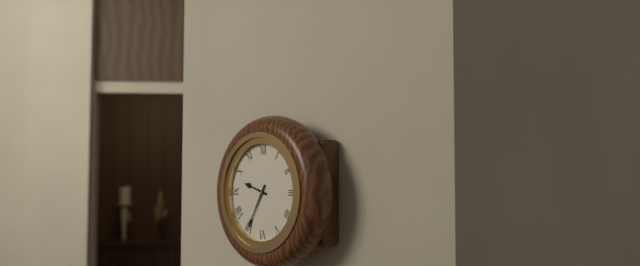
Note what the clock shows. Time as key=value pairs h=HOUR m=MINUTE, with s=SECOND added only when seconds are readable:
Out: h=9 m=35
